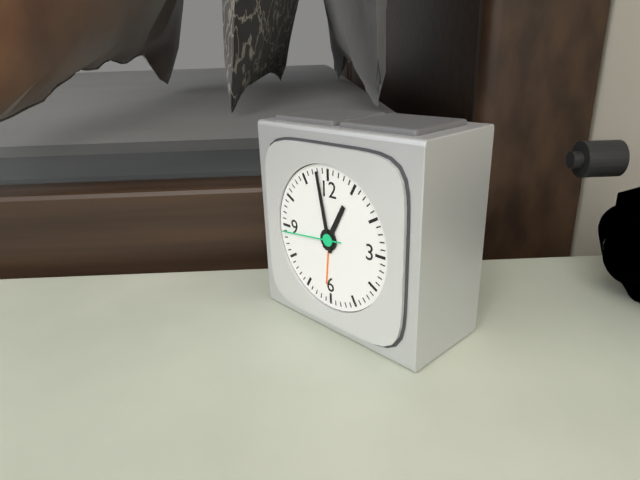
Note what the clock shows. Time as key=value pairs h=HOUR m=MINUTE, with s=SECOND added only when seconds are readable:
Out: h=12 m=58 s=44
